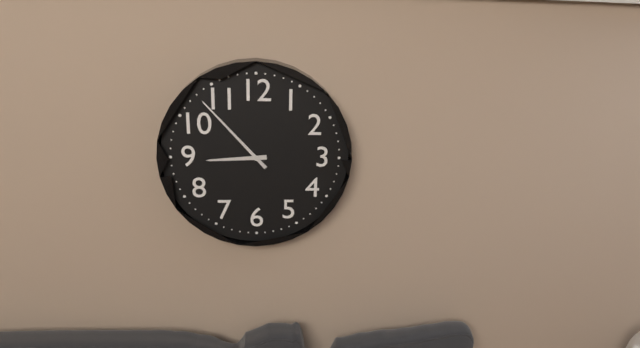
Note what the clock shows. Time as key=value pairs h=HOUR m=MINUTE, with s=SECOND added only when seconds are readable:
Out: h=8 m=53
